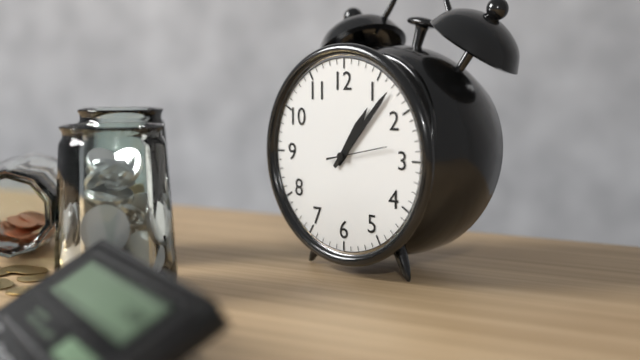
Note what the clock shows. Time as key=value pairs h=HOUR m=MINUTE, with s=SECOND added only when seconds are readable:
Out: h=1 m=7 s=13
